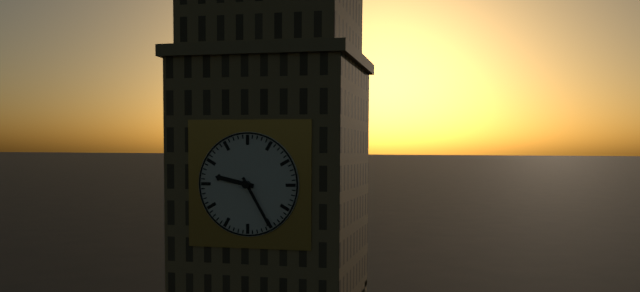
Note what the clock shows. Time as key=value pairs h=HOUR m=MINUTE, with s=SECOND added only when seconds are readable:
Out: h=9 m=25
